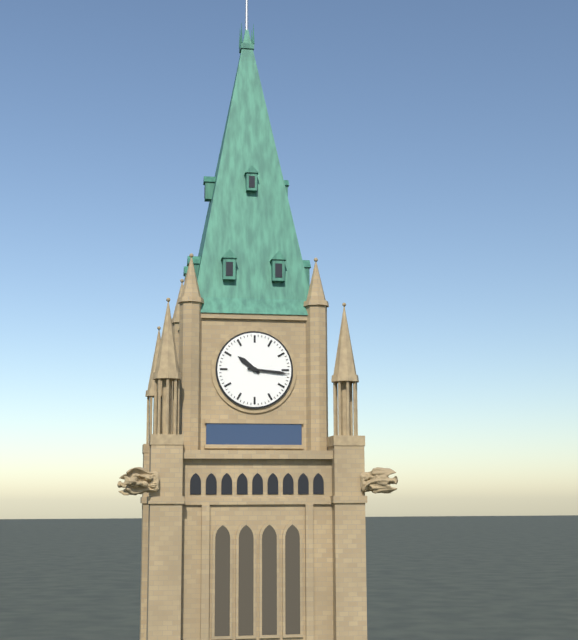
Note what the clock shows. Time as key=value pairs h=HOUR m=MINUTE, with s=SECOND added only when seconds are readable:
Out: h=10 m=16
